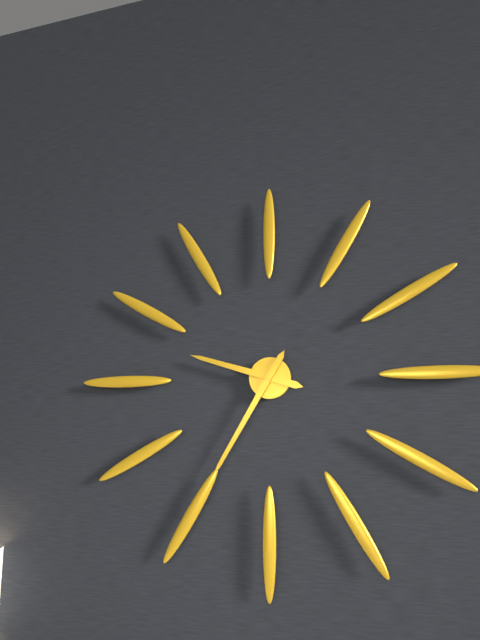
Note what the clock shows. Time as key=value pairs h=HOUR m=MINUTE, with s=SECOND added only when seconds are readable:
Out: h=9 m=35
